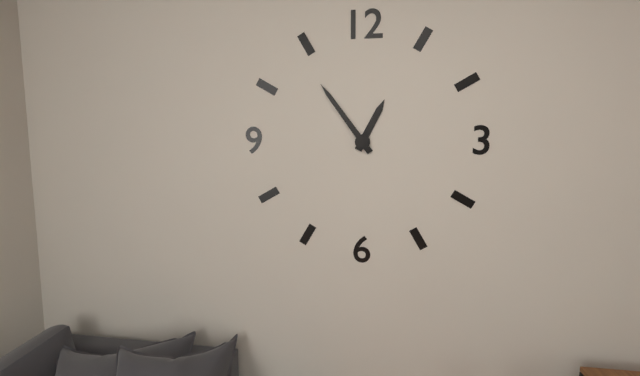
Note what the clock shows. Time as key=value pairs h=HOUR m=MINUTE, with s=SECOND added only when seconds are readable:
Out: h=12 m=54
